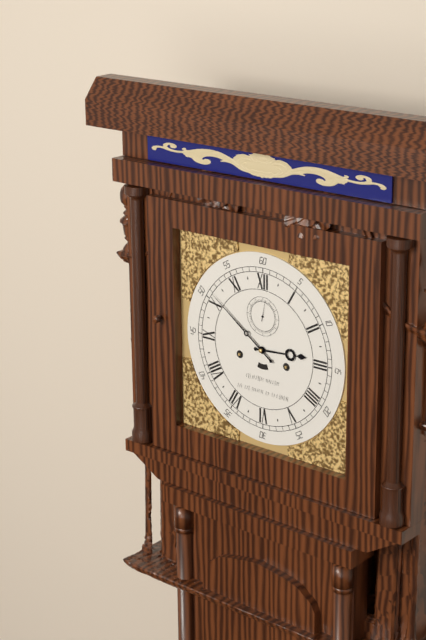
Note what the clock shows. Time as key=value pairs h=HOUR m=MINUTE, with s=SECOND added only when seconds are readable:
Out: h=2 m=51
